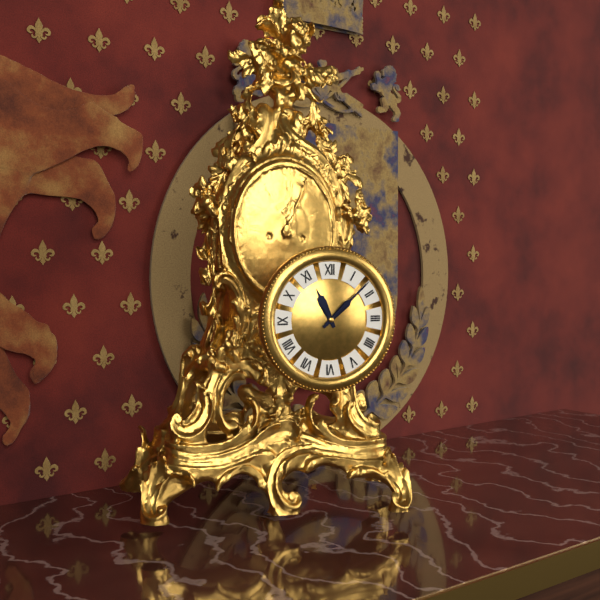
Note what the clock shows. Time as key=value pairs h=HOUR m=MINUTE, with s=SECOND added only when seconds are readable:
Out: h=11 m=8
